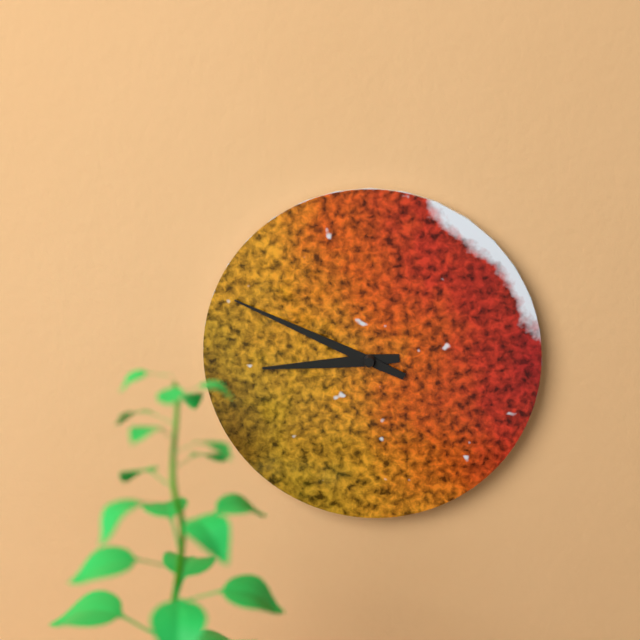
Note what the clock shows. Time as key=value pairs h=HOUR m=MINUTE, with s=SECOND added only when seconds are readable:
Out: h=8 m=49
